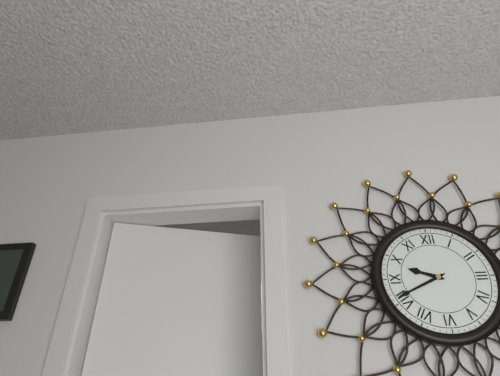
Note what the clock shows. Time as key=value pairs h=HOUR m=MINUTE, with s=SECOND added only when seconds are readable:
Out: h=9 m=41
